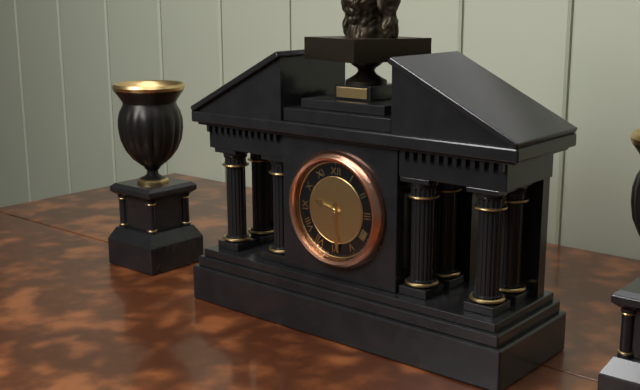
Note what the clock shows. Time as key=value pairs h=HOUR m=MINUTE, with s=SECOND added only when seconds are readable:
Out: h=9 m=29
